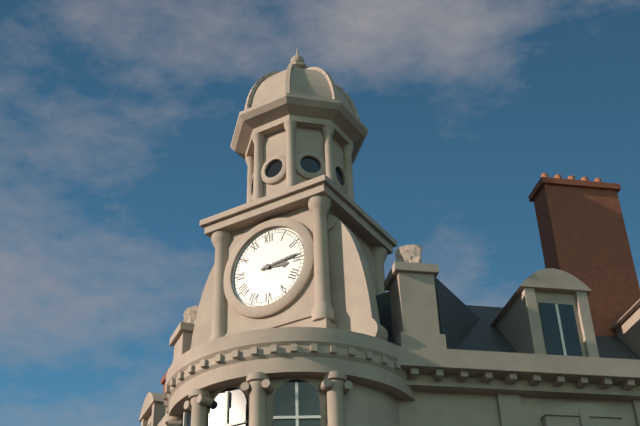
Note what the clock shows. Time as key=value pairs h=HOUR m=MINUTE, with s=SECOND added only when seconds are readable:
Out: h=3 m=14
